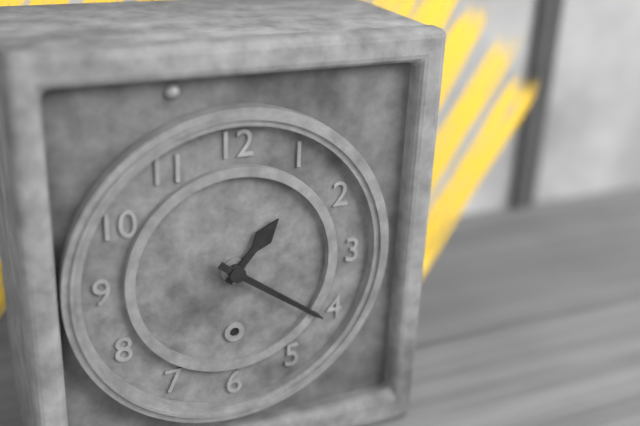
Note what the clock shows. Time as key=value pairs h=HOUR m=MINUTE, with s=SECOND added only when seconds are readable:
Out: h=1 m=21
